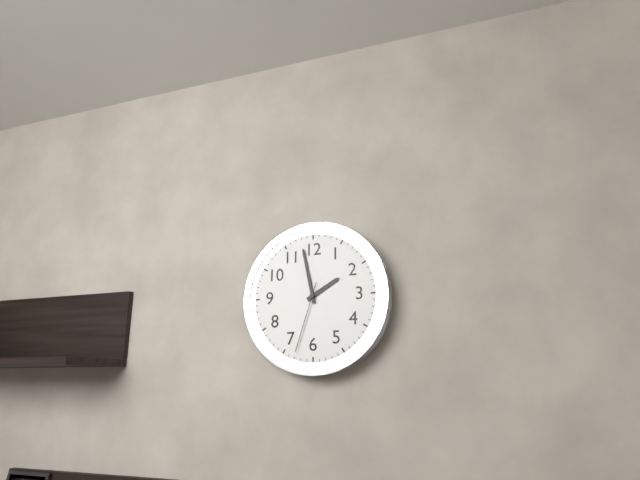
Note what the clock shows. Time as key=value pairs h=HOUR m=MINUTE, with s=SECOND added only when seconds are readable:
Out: h=1 m=58 s=33
